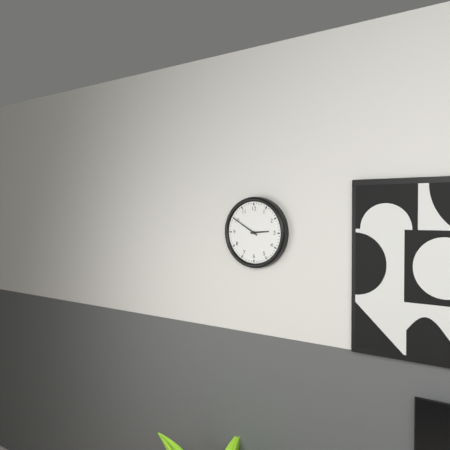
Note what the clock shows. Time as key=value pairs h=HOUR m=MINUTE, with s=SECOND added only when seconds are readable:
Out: h=2 m=50
